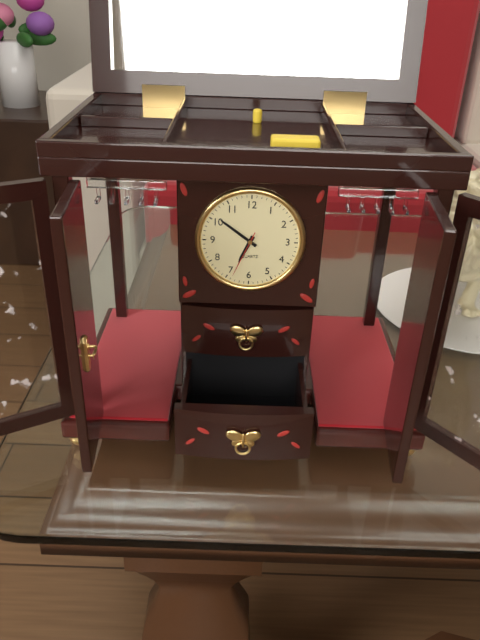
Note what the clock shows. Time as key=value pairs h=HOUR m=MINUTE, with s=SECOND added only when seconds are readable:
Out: h=6 m=51
